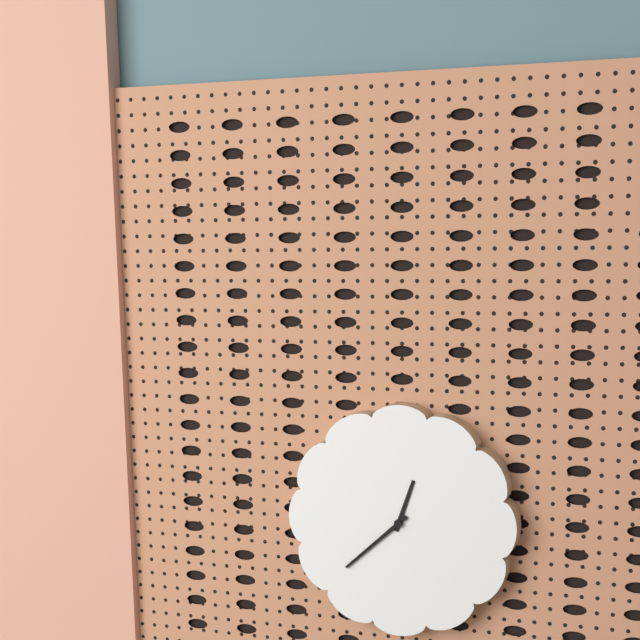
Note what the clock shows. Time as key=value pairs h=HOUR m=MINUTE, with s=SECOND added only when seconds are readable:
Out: h=12 m=38
